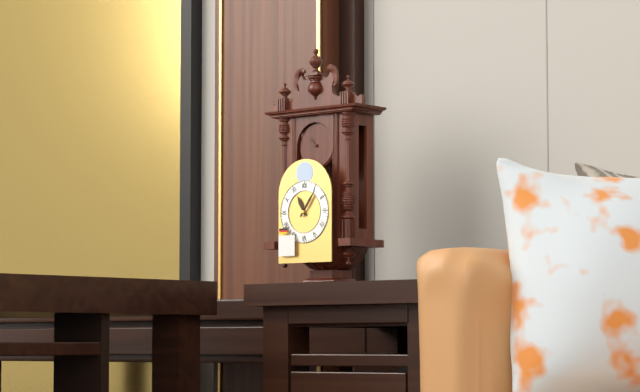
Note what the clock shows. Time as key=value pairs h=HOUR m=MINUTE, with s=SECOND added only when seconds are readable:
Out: h=11 m=6
